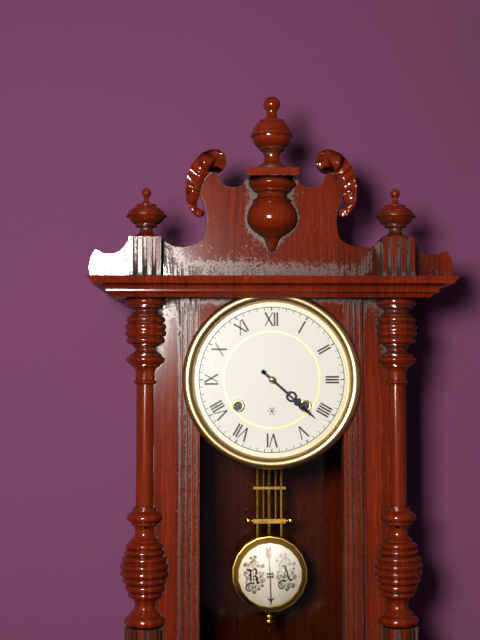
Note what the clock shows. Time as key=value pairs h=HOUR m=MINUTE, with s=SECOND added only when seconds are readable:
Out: h=4 m=22
